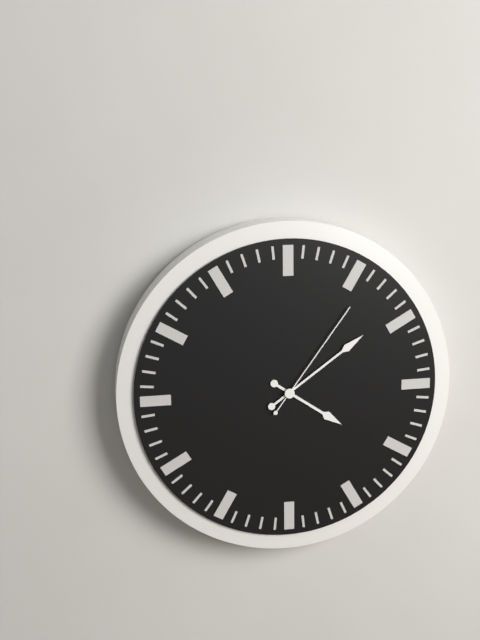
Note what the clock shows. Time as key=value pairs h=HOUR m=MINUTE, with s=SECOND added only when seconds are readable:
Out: h=4 m=9 s=6
